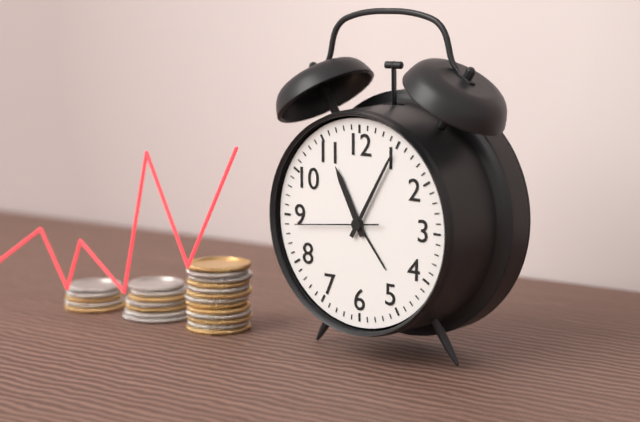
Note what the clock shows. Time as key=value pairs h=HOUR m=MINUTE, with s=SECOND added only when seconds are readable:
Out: h=11 m=5 s=44
